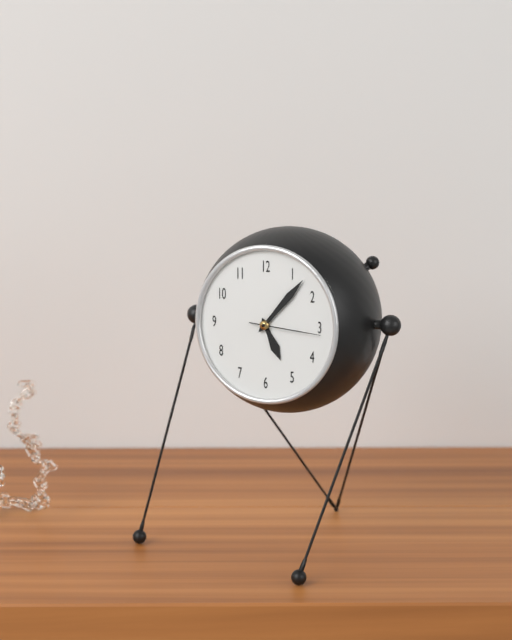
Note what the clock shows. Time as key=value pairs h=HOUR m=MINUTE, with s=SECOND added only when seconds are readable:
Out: h=5 m=7 s=16
